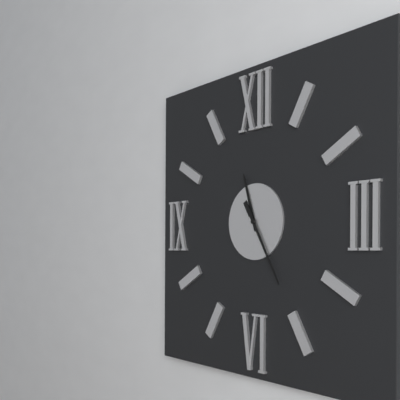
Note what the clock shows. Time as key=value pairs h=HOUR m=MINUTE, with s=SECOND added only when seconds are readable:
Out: h=11 m=25
